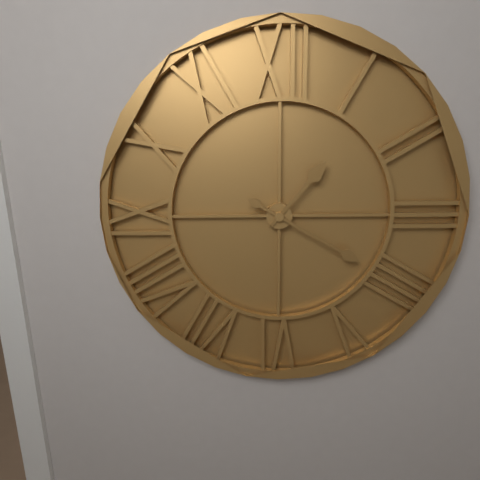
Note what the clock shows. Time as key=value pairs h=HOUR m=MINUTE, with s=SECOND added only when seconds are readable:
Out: h=1 m=20
